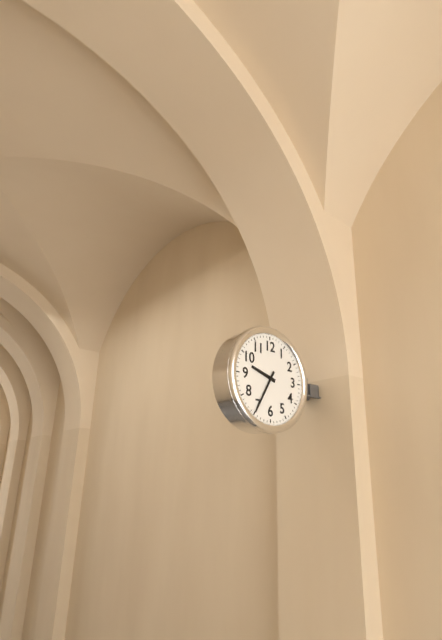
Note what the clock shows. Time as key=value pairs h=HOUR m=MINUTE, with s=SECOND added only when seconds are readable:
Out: h=9 m=35
